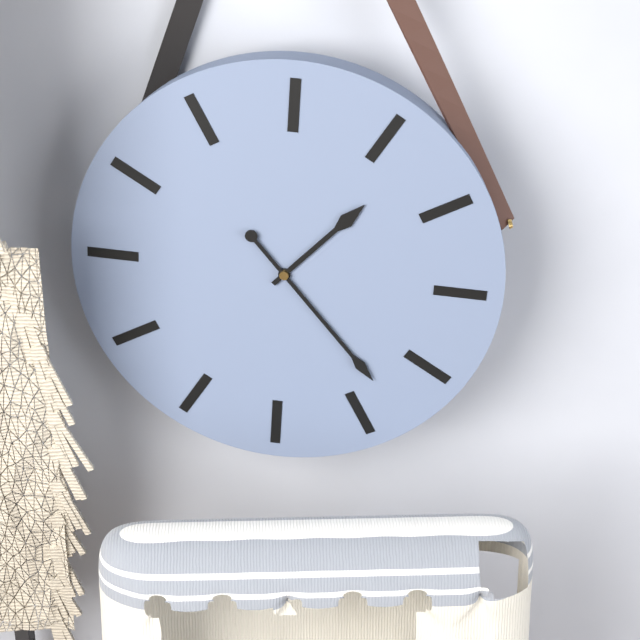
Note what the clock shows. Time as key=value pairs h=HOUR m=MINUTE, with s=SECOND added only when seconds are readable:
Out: h=1 m=23
